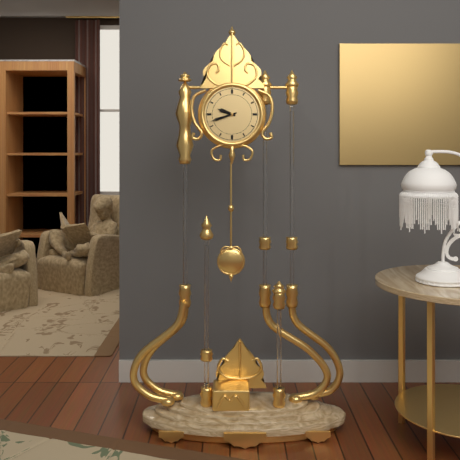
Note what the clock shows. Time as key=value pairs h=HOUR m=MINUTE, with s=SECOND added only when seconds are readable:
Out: h=9 m=42
